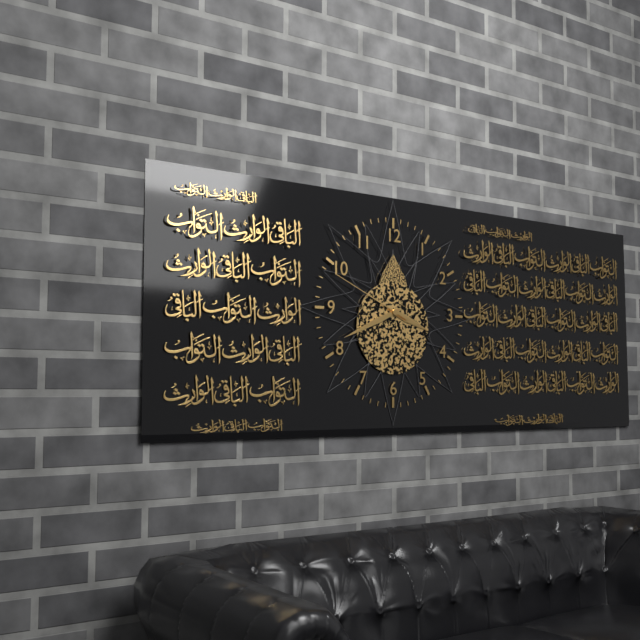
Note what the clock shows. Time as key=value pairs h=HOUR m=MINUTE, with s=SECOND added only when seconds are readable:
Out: h=3 m=41 s=49
